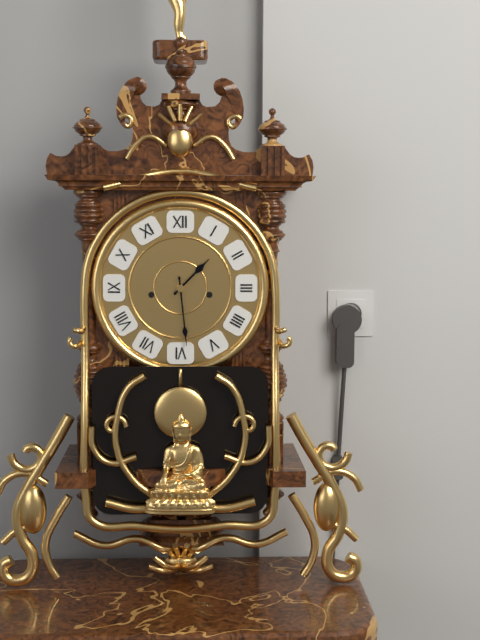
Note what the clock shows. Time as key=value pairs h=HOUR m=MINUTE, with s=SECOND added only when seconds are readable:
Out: h=1 m=29
